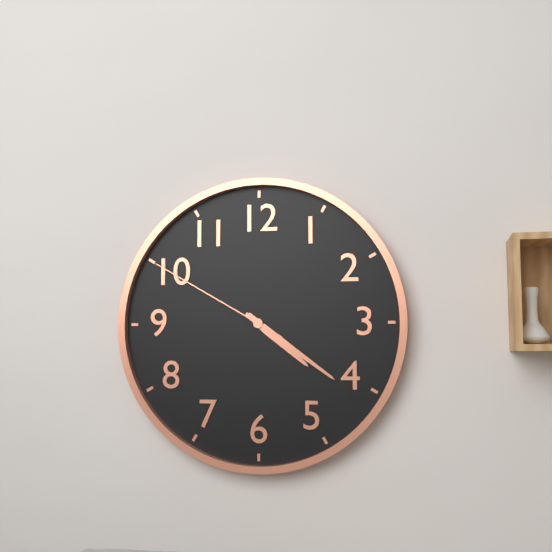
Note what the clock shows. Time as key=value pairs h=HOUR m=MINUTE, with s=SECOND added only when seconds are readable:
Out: h=4 m=21 s=50
